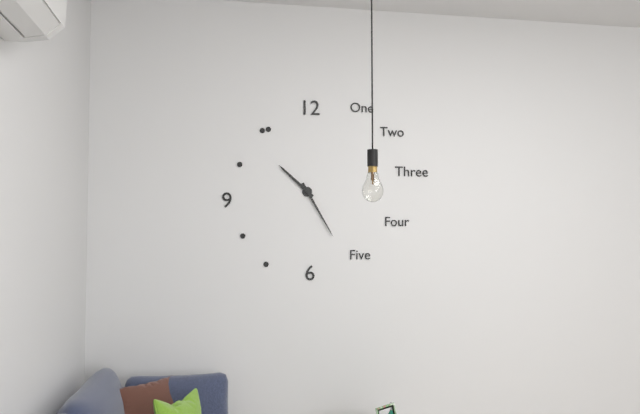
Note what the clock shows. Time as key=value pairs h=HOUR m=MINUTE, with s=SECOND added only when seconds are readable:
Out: h=10 m=25
